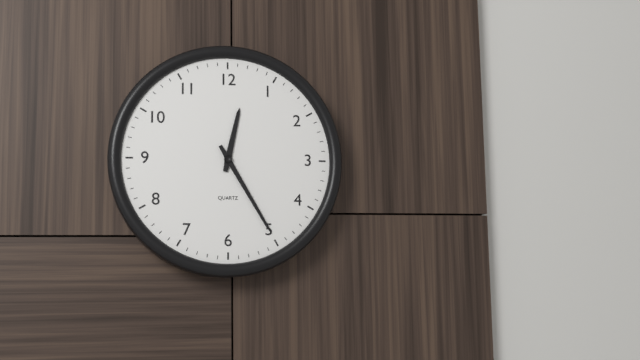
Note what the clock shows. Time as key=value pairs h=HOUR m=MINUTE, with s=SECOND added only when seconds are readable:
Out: h=12 m=25
